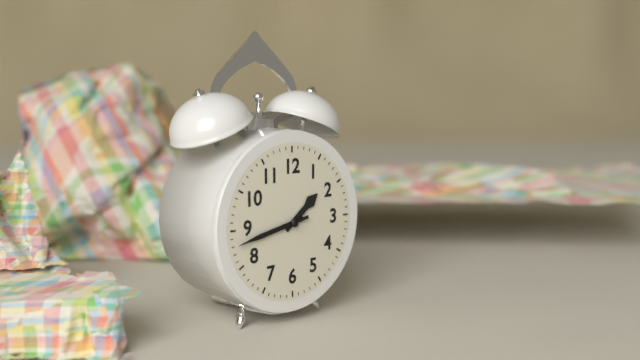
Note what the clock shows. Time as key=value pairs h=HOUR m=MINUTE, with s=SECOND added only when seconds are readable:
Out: h=1 m=43 s=43
